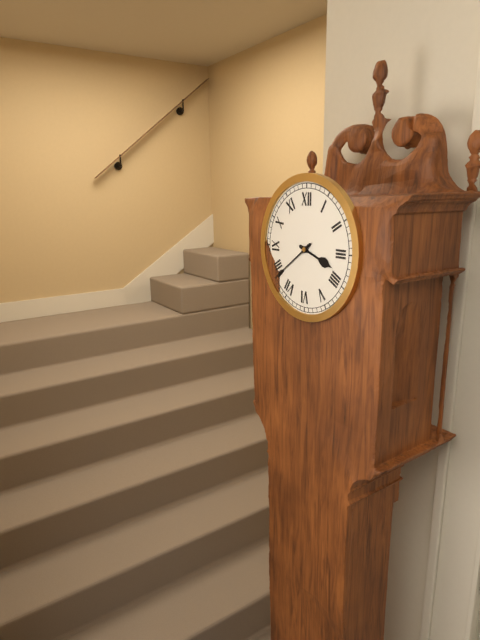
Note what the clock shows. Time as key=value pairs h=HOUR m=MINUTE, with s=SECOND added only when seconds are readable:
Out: h=3 m=39
